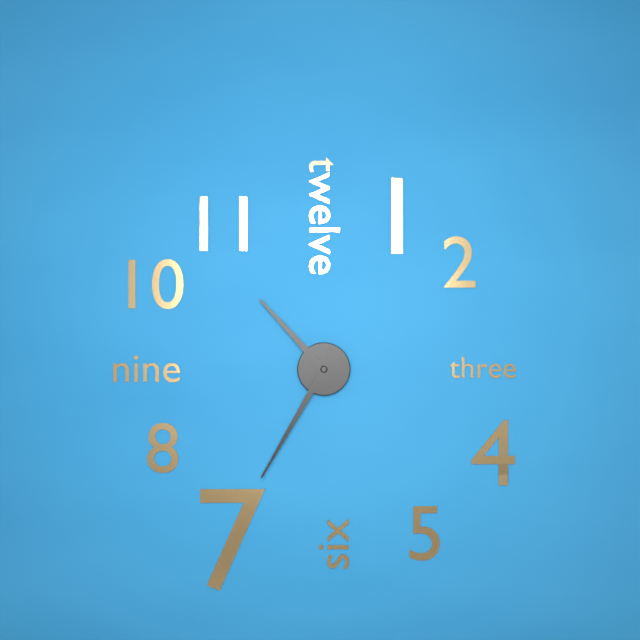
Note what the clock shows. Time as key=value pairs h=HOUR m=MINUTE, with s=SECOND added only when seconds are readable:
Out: h=10 m=35
